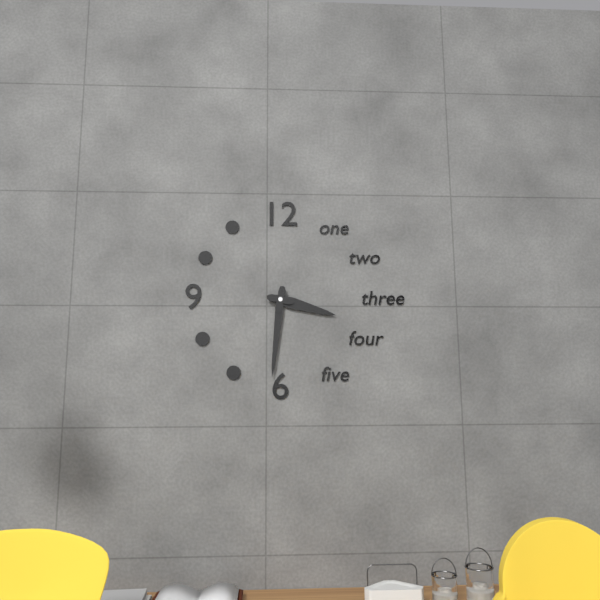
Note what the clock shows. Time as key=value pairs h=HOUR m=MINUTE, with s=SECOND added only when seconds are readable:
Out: h=3 m=31
